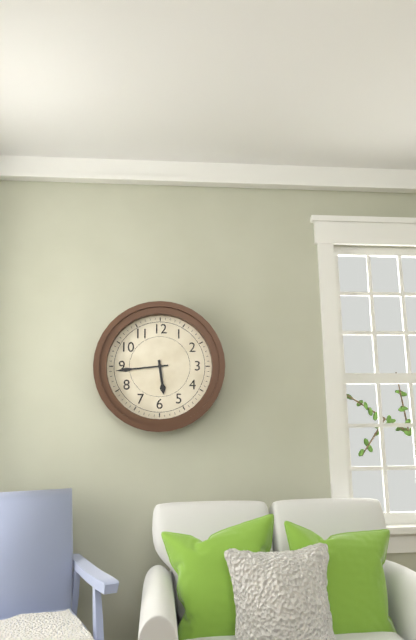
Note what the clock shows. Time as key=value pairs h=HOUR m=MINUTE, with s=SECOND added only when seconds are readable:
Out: h=5 m=44
